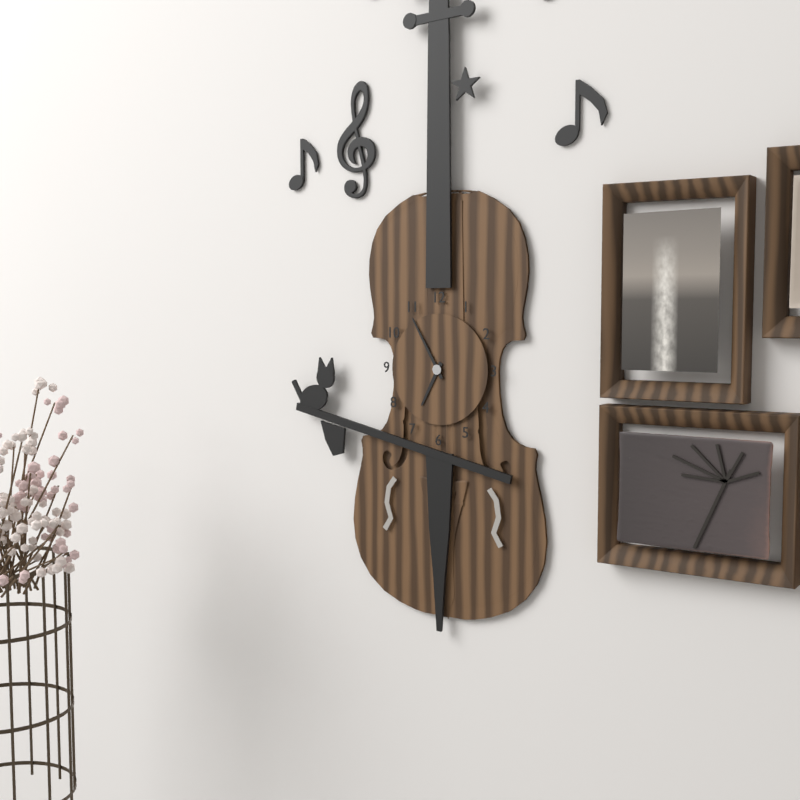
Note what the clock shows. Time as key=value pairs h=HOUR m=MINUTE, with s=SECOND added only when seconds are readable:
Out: h=6 m=55
